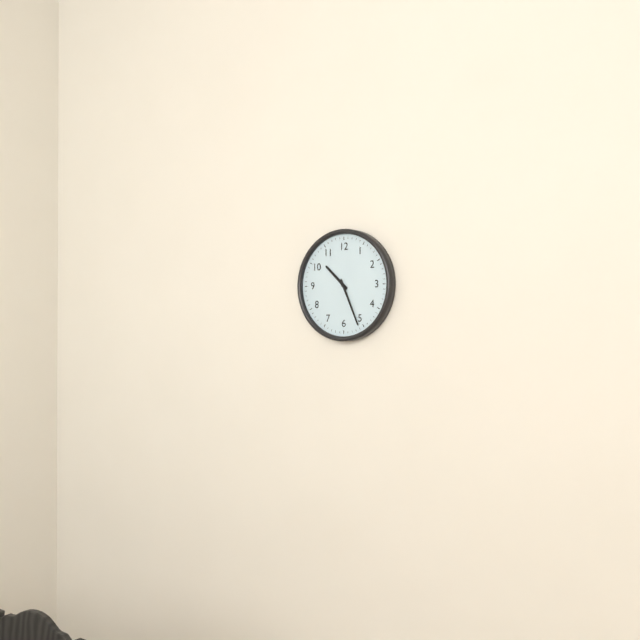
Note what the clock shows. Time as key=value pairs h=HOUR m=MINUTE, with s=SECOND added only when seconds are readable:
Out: h=10 m=26
